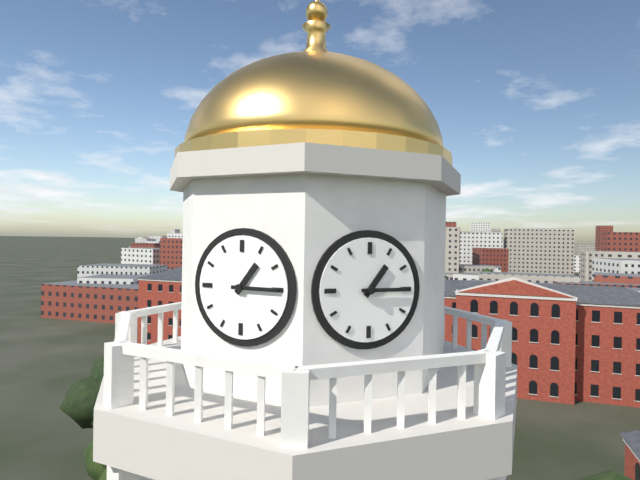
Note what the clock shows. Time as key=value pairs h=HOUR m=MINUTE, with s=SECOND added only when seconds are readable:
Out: h=1 m=15
